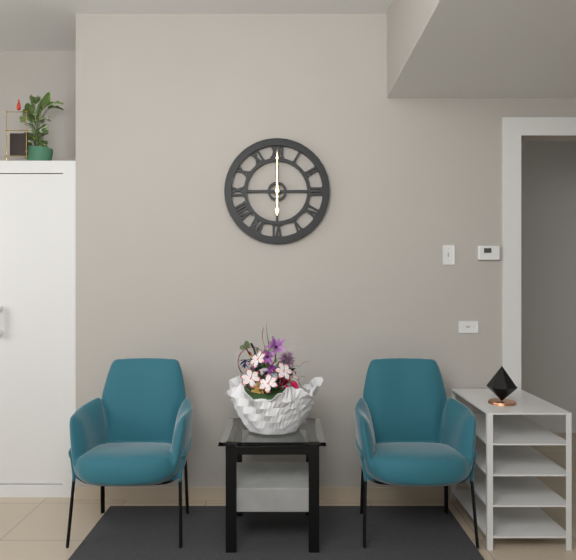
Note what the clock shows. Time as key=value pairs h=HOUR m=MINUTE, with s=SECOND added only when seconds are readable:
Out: h=6 m=0
